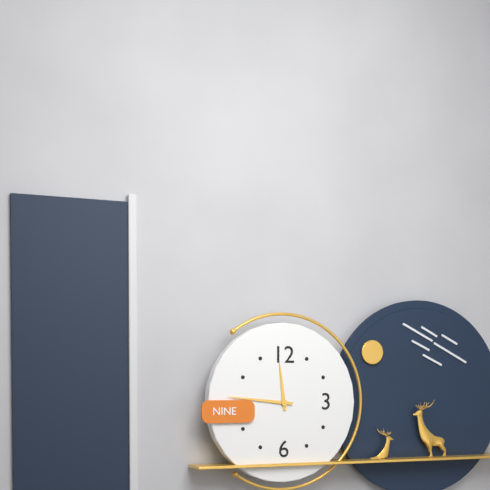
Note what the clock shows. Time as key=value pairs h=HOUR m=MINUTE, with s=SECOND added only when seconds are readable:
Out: h=11 m=46
